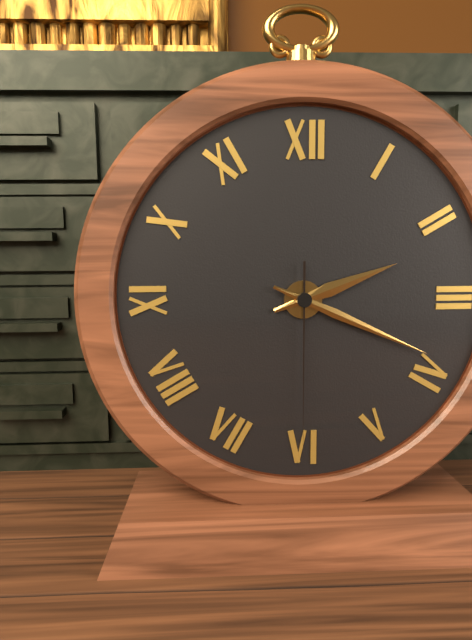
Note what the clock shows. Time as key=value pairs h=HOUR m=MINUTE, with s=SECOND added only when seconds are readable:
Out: h=2 m=19 s=30
